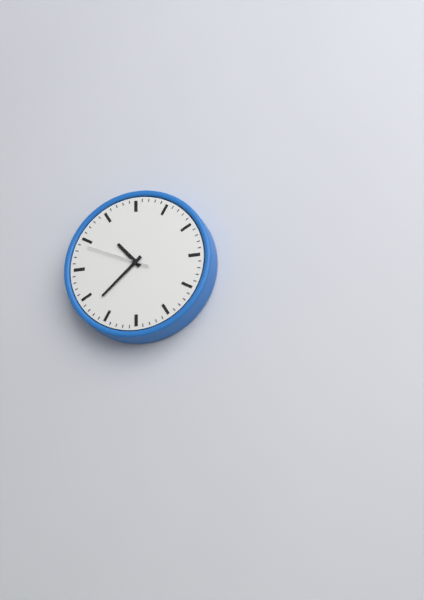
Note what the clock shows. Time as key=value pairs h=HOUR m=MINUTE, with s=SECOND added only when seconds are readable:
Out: h=10 m=38 s=49
